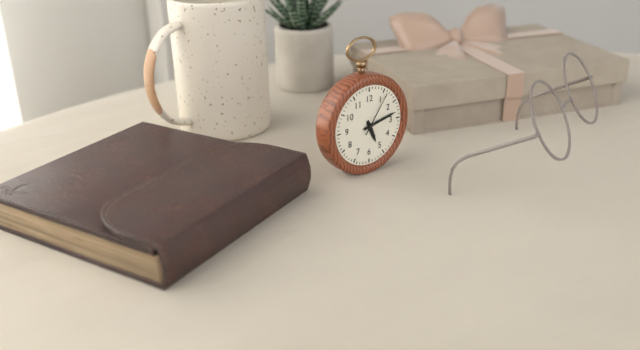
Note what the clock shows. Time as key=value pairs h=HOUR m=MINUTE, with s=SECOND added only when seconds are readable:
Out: h=5 m=13
